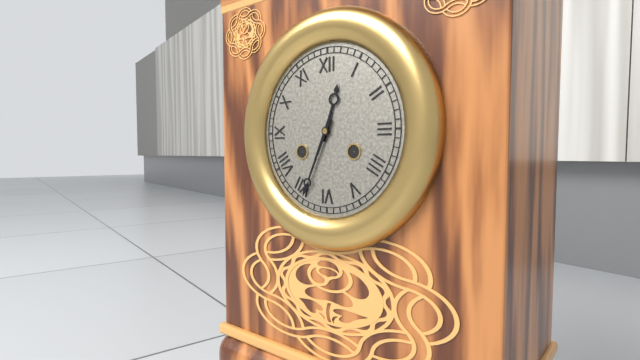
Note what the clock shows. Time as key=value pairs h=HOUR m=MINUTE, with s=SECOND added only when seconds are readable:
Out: h=12 m=34
